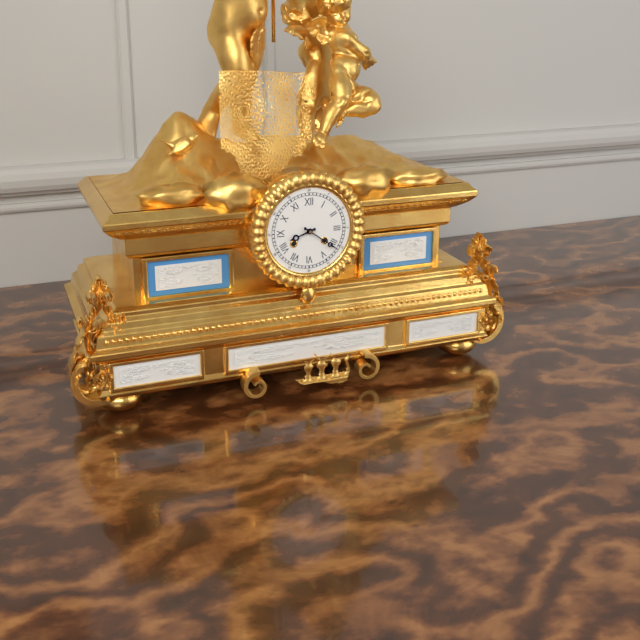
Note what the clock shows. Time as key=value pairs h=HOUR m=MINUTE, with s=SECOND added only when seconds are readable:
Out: h=8 m=21
